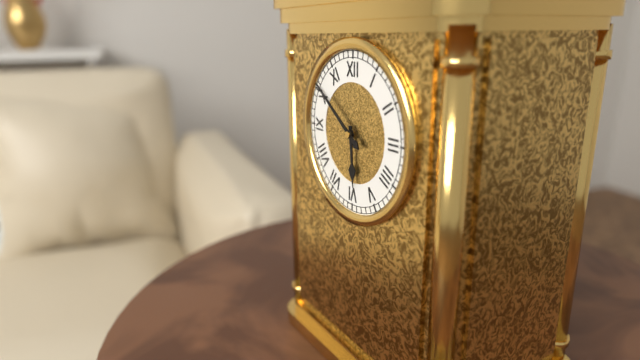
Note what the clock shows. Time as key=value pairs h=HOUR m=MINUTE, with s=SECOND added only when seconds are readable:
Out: h=5 m=51
